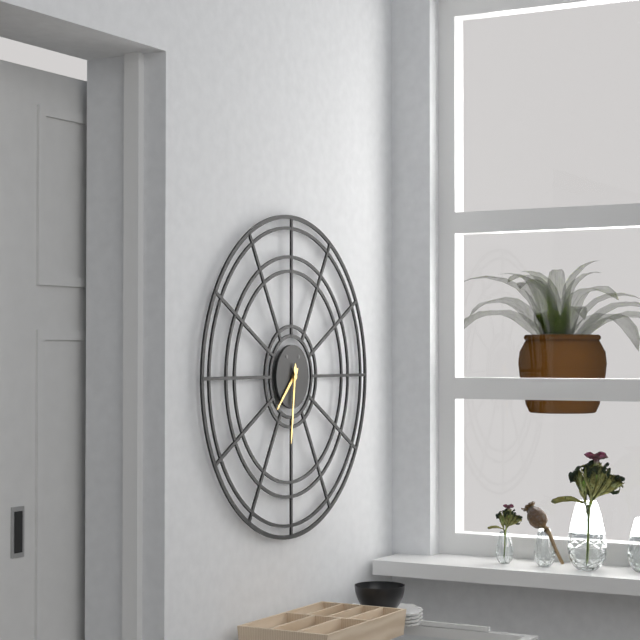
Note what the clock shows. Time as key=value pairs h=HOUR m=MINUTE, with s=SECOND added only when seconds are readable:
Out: h=7 m=31
